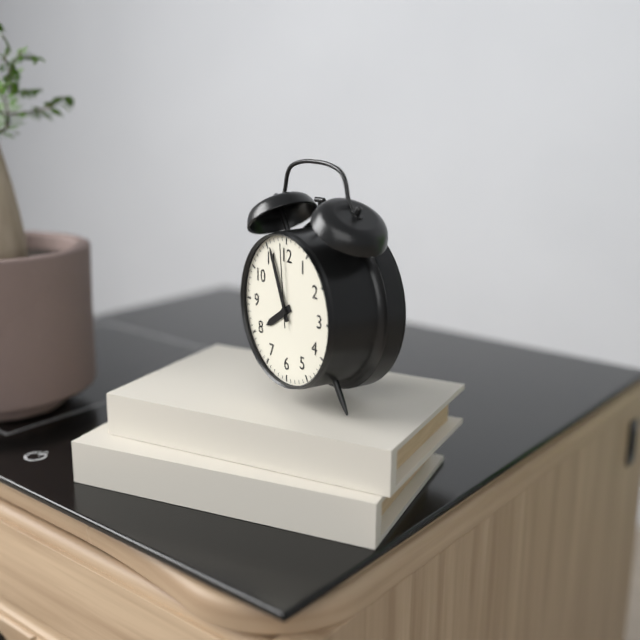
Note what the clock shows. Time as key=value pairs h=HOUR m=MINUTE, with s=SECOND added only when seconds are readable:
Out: h=7 m=56 s=59
